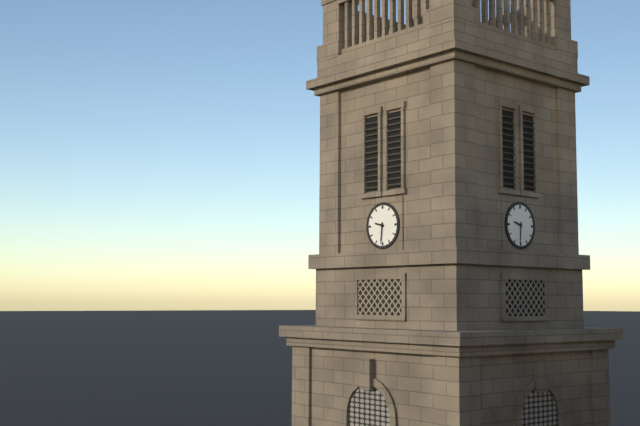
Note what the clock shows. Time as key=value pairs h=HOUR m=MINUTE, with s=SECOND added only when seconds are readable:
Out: h=9 m=31
